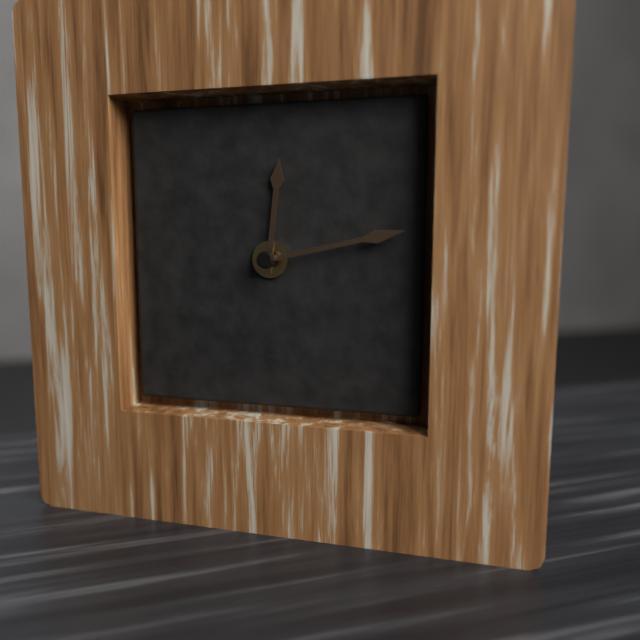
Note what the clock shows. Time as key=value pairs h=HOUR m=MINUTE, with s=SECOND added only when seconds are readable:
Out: h=12 m=13
